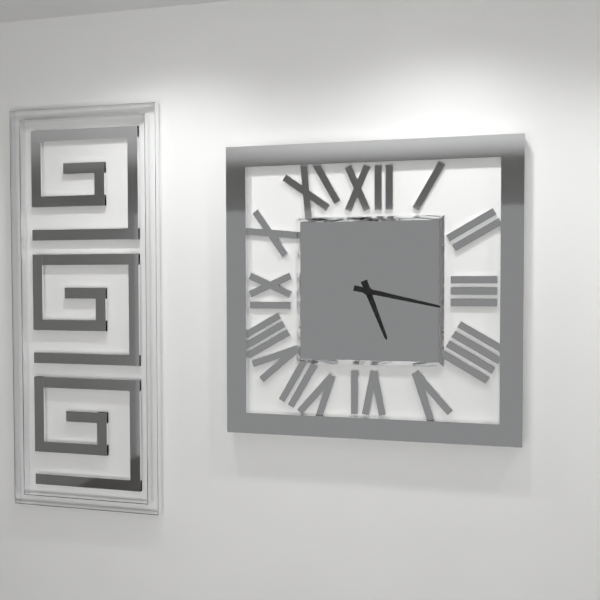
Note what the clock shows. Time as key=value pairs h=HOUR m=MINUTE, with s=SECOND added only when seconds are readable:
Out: h=5 m=17
